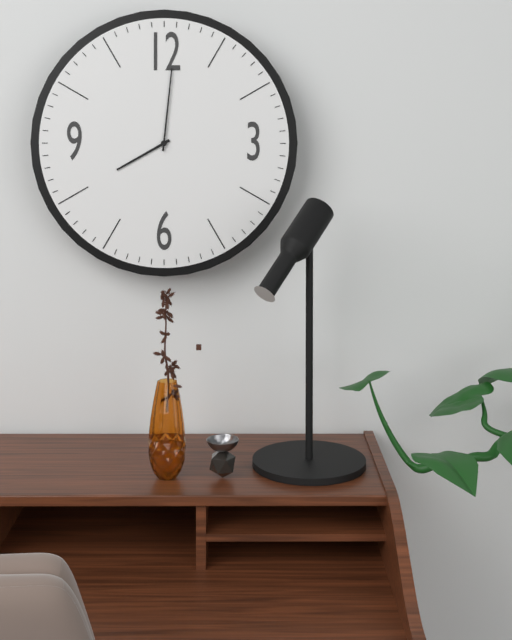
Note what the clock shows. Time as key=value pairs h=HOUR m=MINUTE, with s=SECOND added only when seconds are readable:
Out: h=8 m=1
